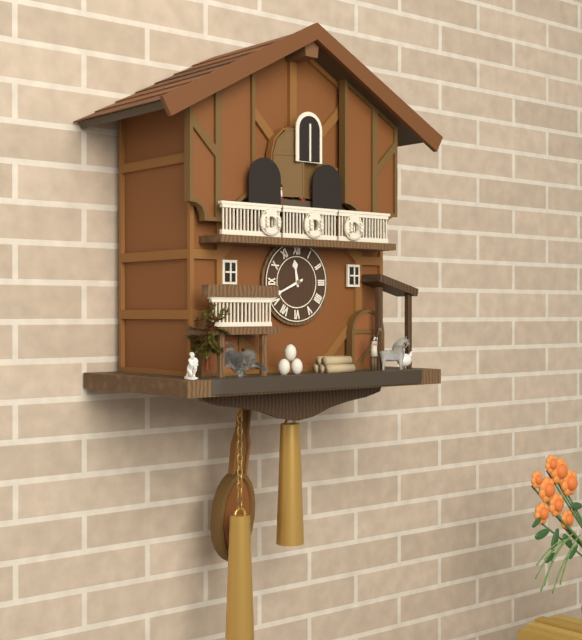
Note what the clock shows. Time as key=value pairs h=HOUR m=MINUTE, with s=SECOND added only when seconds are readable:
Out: h=11 m=41
